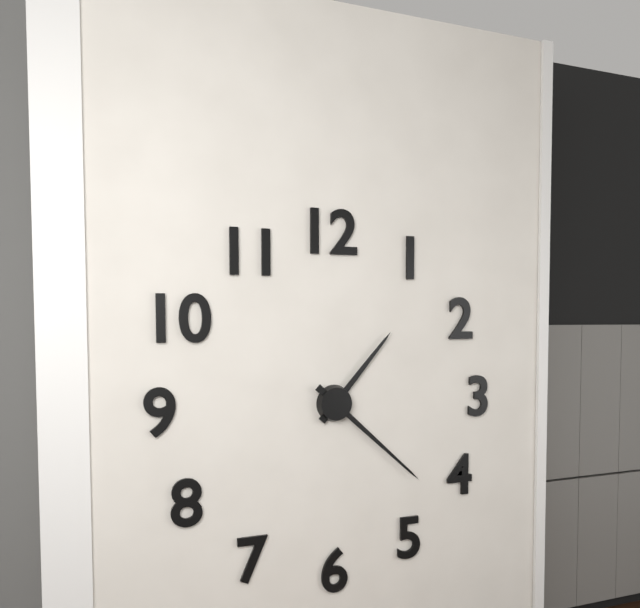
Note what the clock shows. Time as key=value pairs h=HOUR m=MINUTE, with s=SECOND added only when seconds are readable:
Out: h=1 m=22
